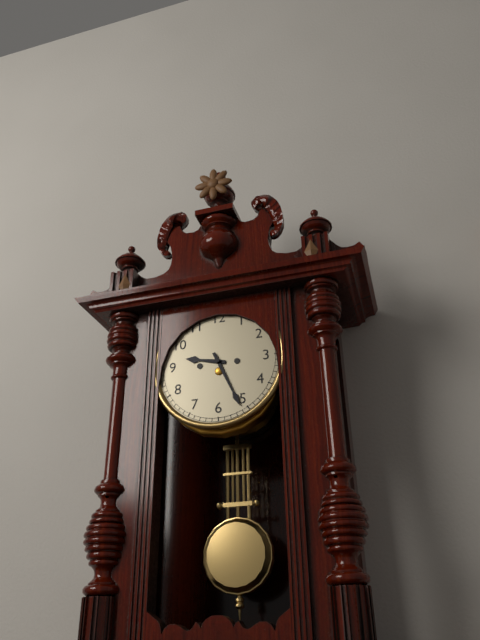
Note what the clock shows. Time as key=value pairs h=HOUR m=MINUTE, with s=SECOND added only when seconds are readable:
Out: h=9 m=26
